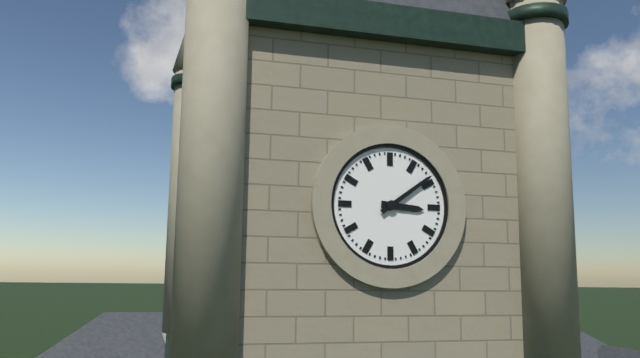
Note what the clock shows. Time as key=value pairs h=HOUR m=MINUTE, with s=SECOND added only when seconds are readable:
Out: h=3 m=9
